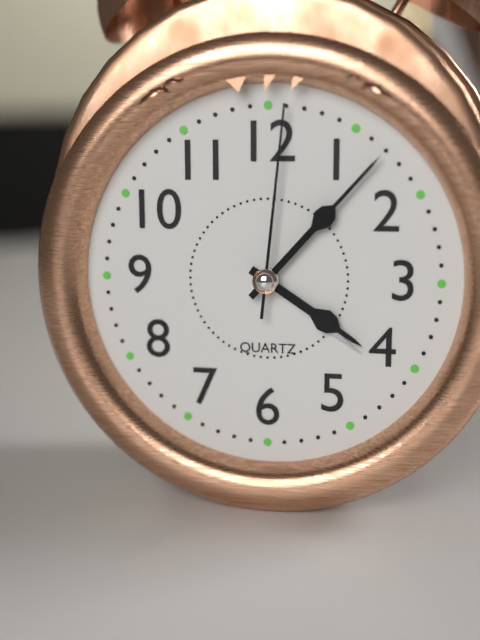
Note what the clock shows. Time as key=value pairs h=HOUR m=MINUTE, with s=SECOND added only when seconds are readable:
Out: h=4 m=7 s=1
